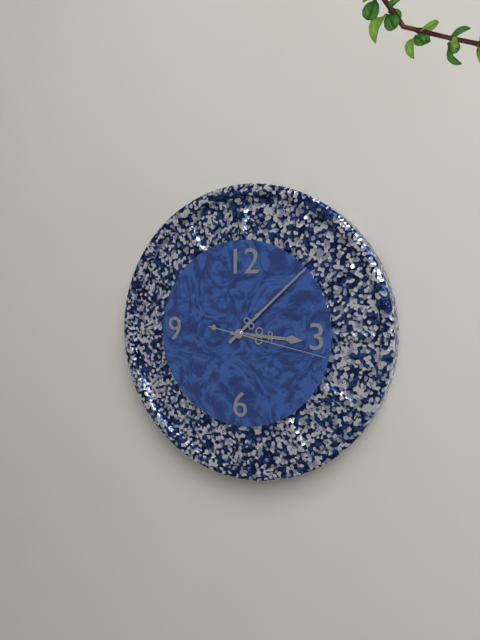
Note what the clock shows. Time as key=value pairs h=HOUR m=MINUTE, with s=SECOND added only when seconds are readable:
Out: h=3 m=8 s=17
